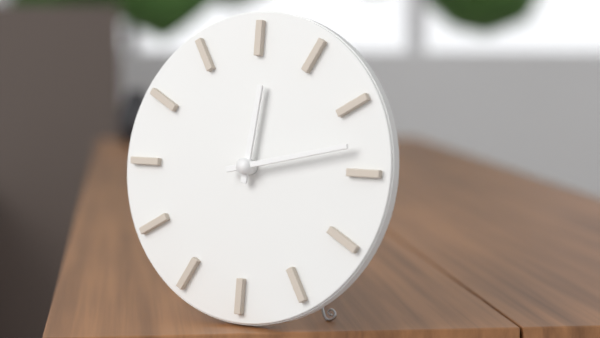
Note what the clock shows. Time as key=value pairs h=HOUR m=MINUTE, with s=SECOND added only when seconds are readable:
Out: h=12 m=13
